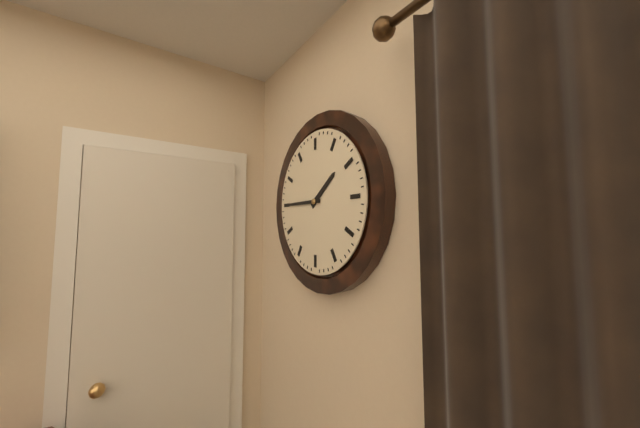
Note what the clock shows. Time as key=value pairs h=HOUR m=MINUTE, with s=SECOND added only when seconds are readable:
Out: h=1 m=45
